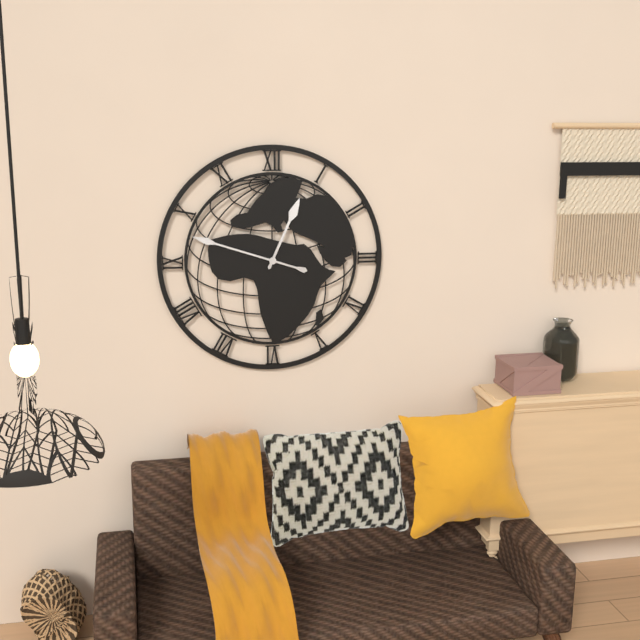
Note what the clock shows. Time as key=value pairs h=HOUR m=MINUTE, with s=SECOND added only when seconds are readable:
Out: h=12 m=48
